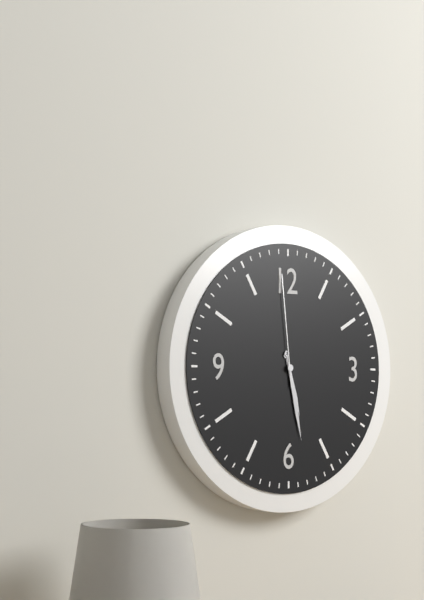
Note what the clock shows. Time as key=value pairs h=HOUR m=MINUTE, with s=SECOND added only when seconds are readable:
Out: h=5 m=28 s=59
